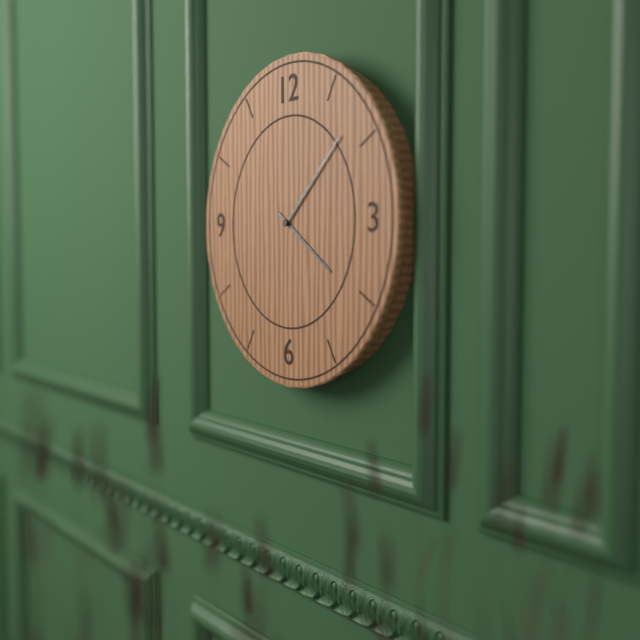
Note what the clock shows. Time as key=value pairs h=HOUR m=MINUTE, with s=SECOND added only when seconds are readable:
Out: h=4 m=8
